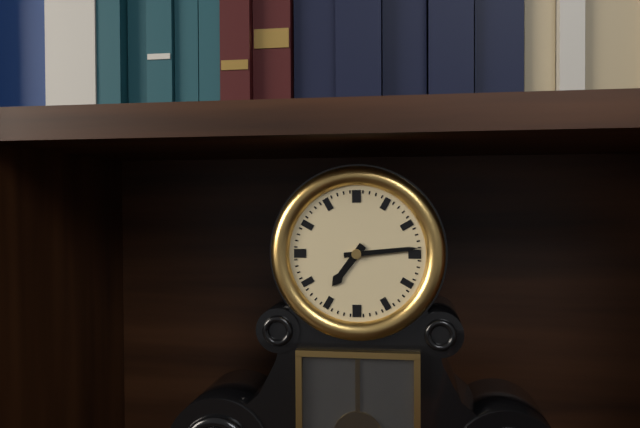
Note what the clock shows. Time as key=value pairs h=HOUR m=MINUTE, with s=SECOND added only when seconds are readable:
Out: h=7 m=14
